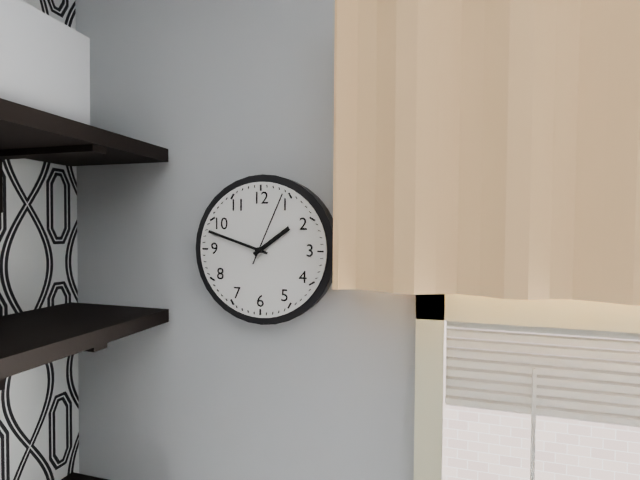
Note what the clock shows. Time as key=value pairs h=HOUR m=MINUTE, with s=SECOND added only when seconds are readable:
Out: h=1 m=48 s=4
